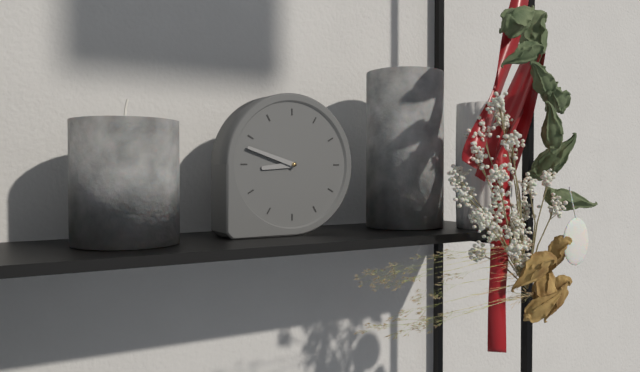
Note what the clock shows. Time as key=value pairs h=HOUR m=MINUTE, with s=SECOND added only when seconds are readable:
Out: h=8 m=48
